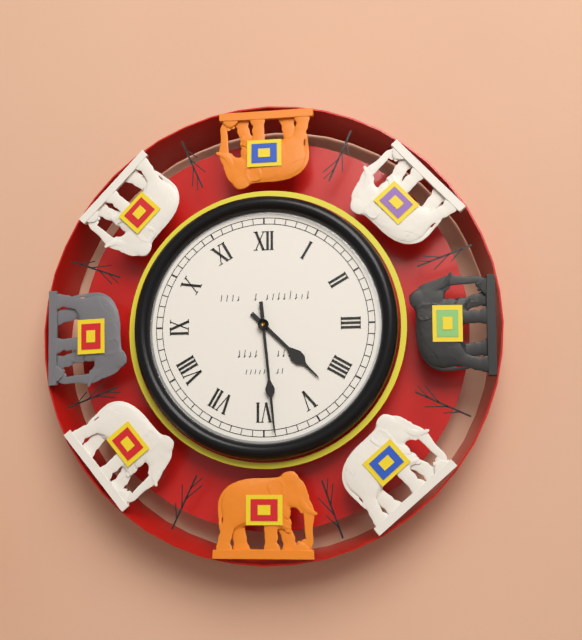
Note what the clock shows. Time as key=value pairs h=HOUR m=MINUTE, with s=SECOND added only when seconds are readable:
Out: h=4 m=29
